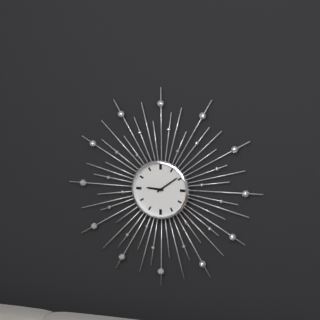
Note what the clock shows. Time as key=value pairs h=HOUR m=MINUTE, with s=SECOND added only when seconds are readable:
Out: h=9 m=9
